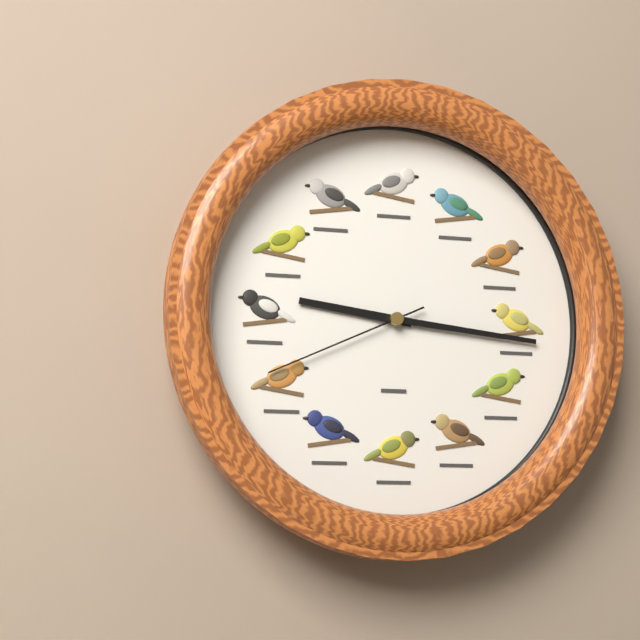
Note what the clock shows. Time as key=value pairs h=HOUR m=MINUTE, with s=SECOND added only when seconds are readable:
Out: h=9 m=16 s=41
